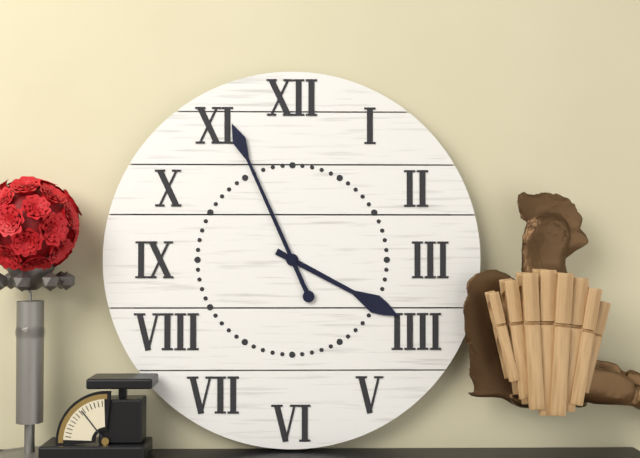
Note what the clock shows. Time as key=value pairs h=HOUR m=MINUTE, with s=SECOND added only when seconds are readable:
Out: h=3 m=56
